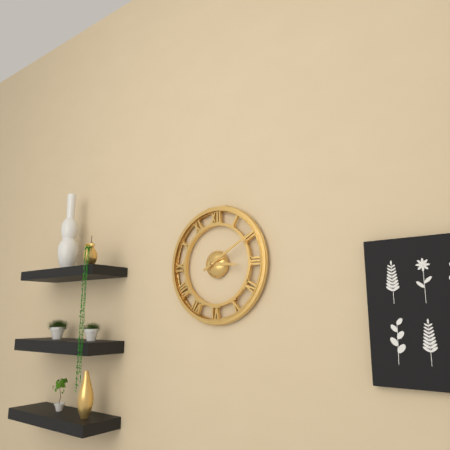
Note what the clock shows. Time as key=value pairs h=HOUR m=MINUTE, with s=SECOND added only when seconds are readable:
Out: h=3 m=10
